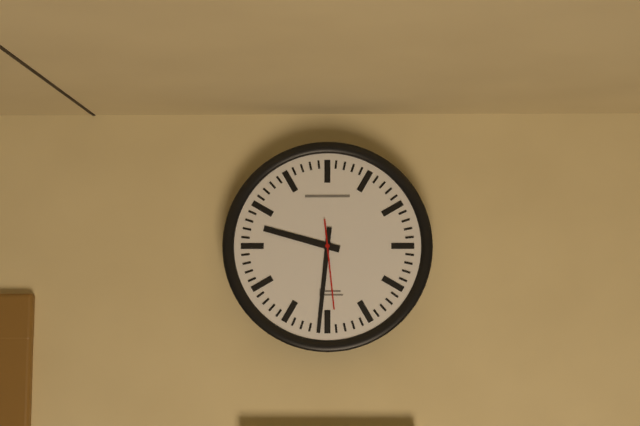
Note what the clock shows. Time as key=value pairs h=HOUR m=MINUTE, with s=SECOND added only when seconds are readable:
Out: h=9 m=31 s=29
